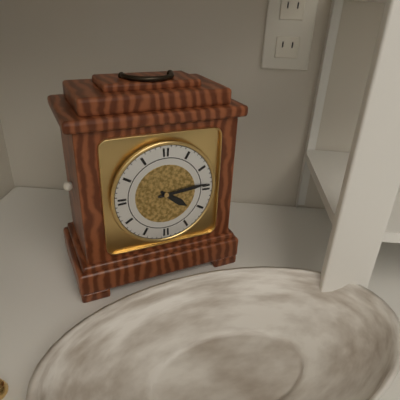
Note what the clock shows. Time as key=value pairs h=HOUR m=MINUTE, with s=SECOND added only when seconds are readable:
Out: h=4 m=14
